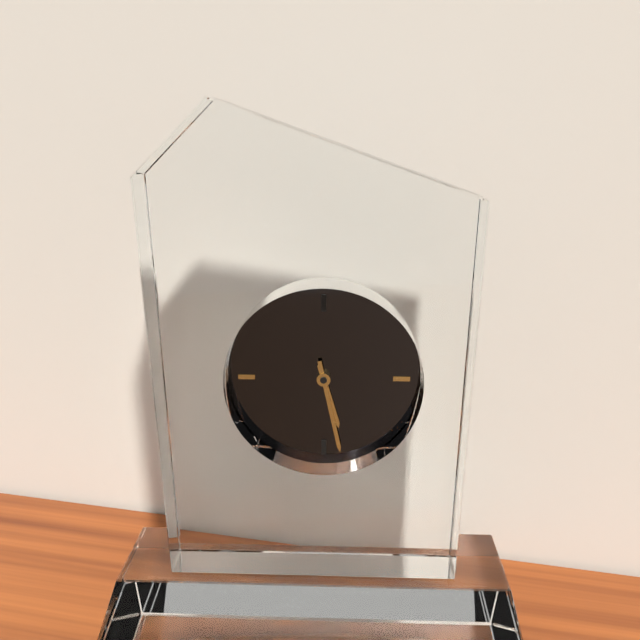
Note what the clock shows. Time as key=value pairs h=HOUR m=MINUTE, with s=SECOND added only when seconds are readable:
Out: h=5 m=28
